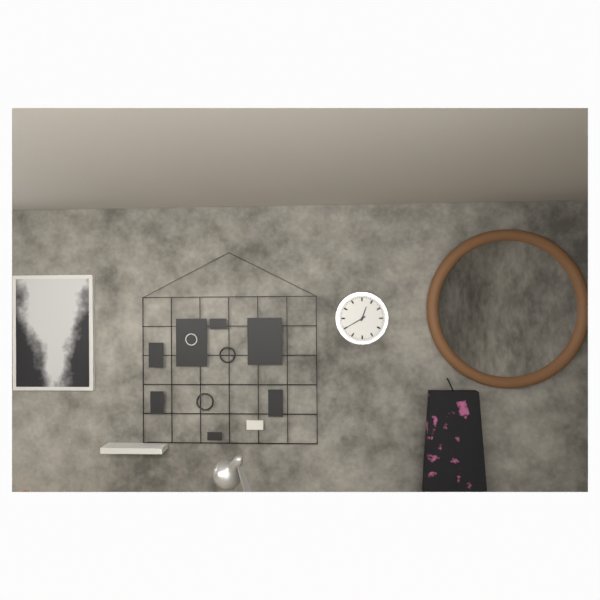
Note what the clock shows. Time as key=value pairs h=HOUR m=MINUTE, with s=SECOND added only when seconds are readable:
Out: h=12 m=40
